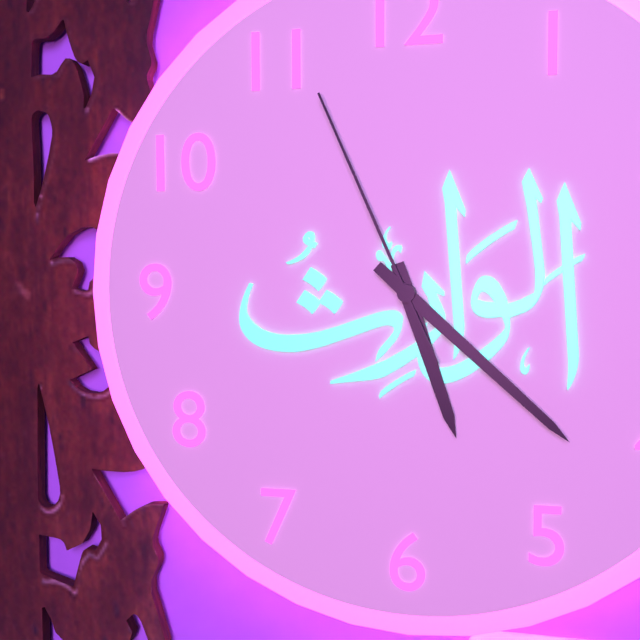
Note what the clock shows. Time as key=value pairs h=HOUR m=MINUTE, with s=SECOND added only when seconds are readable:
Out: h=5 m=22 s=56
